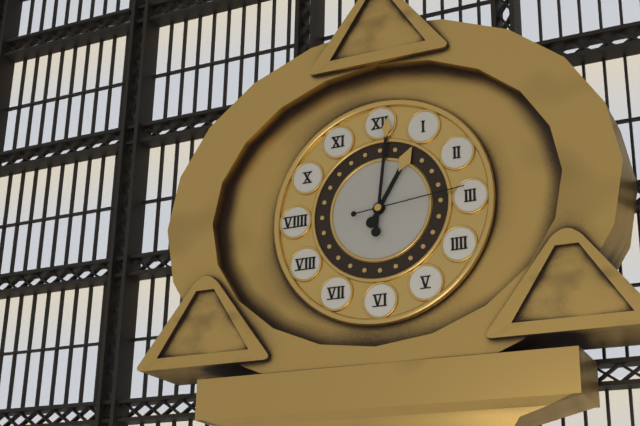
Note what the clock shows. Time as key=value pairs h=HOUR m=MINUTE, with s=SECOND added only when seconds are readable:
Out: h=1 m=1 s=14
